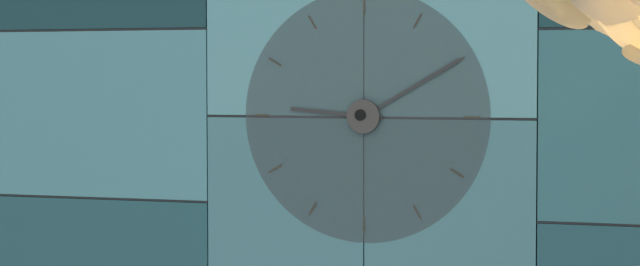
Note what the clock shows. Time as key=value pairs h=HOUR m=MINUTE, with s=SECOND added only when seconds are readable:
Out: h=9 m=10
